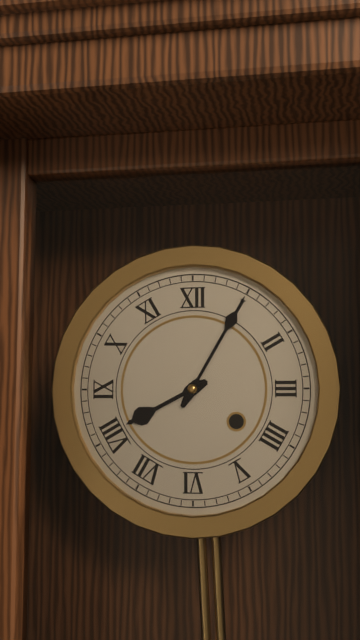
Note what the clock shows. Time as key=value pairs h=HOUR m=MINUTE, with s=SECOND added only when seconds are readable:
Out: h=8 m=5
